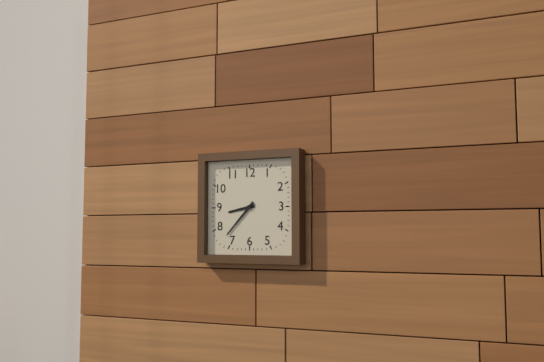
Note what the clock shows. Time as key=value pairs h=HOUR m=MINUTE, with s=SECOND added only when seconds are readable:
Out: h=8 m=37
